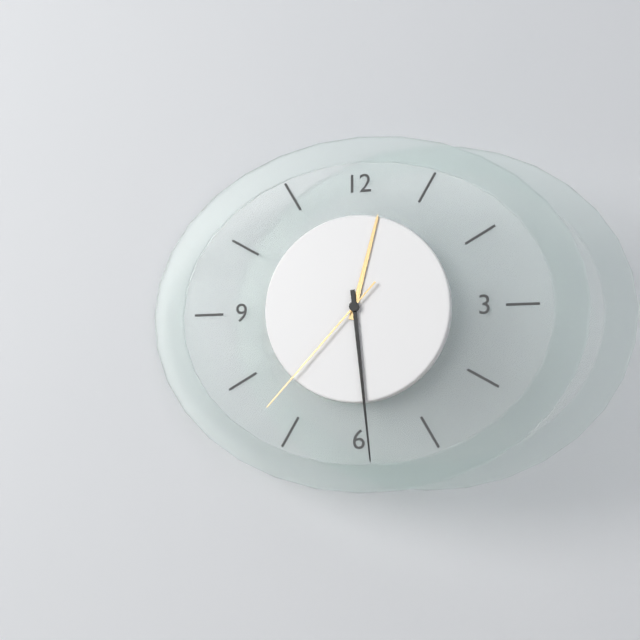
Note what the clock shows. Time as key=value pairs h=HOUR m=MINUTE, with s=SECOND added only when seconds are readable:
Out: h=12 m=29 s=37
